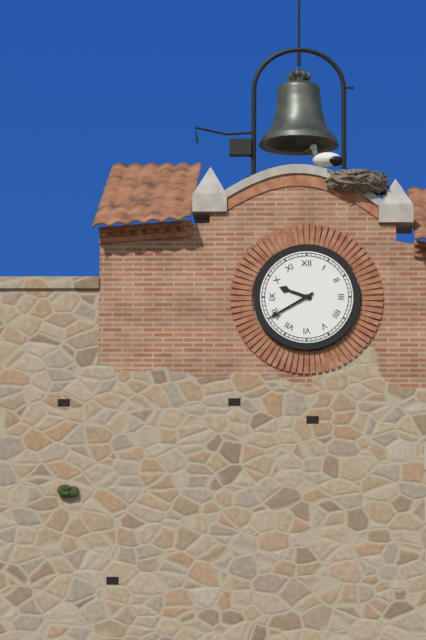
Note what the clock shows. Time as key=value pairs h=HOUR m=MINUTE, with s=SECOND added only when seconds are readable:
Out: h=9 m=40
